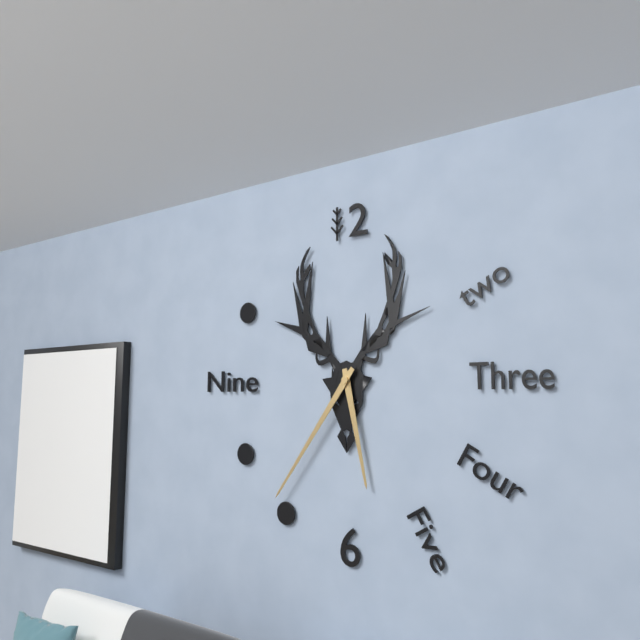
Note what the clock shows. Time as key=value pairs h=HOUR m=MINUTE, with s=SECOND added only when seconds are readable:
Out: h=5 m=36
